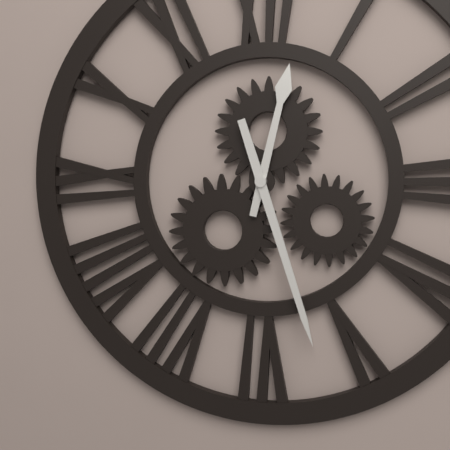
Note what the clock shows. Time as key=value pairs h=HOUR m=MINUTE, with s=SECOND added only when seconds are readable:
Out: h=12 m=27
